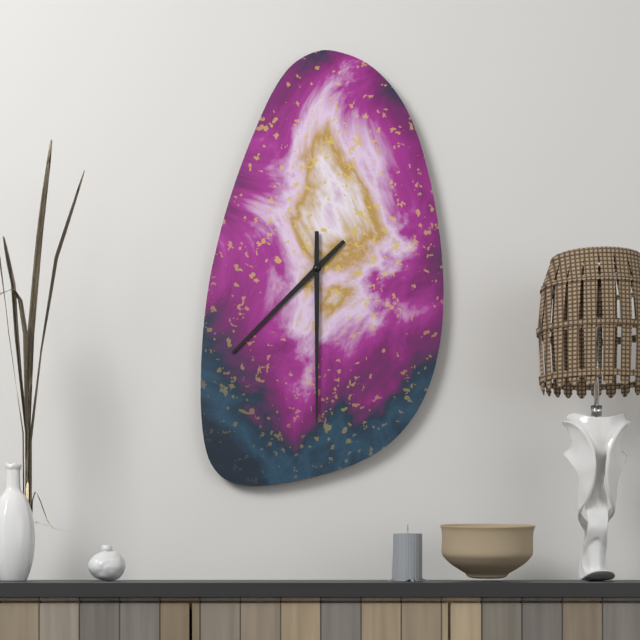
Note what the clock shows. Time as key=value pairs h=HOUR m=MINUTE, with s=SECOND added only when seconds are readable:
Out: h=7 m=30
